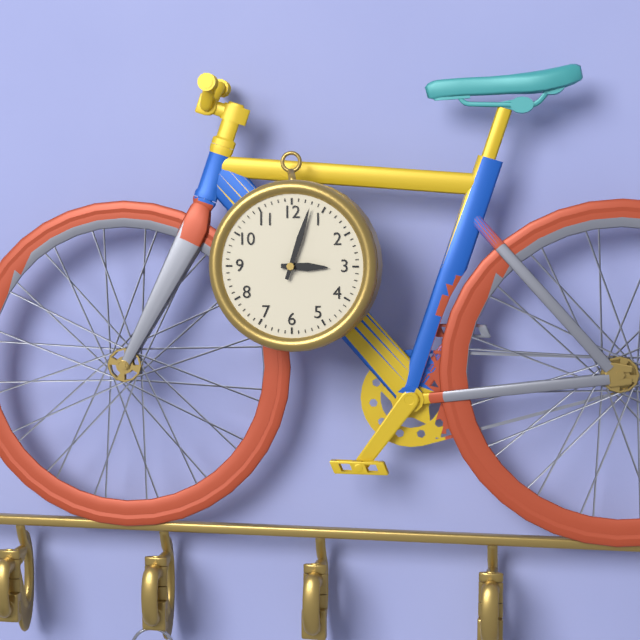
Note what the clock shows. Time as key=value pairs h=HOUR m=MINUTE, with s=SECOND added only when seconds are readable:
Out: h=3 m=3
